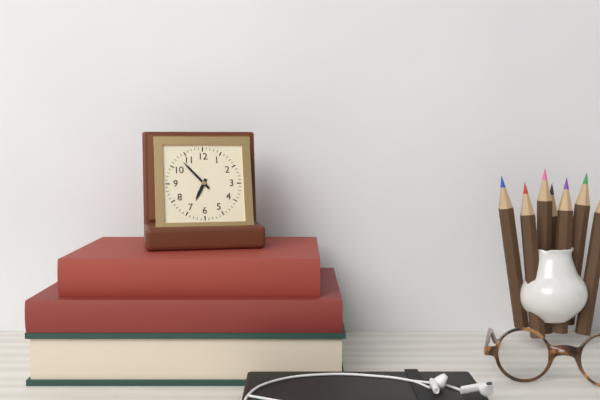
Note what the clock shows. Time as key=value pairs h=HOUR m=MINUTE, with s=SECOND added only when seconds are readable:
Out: h=6 m=53
